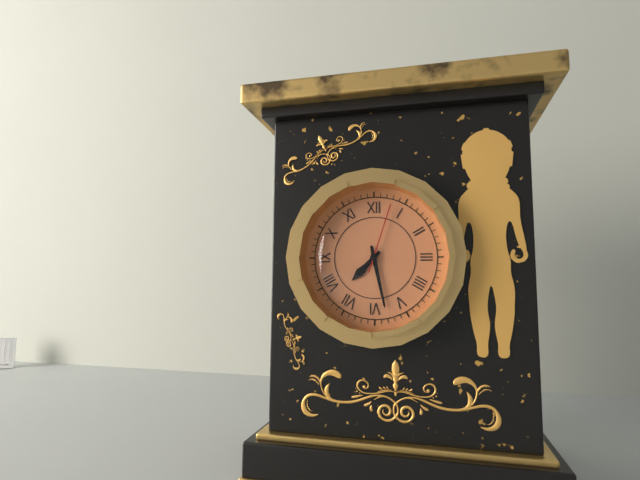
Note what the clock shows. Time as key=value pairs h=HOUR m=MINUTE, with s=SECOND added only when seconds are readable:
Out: h=7 m=28 s=3
